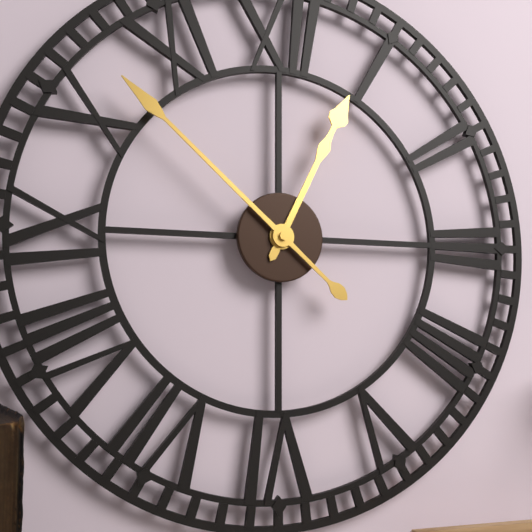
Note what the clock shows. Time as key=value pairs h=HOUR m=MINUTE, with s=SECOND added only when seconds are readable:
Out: h=12 m=52
